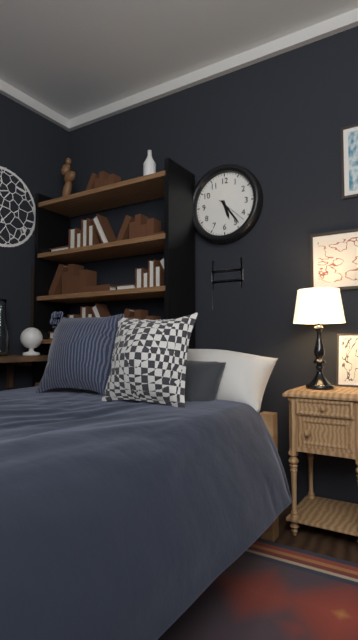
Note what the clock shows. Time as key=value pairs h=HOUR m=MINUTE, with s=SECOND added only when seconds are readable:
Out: h=5 m=24
